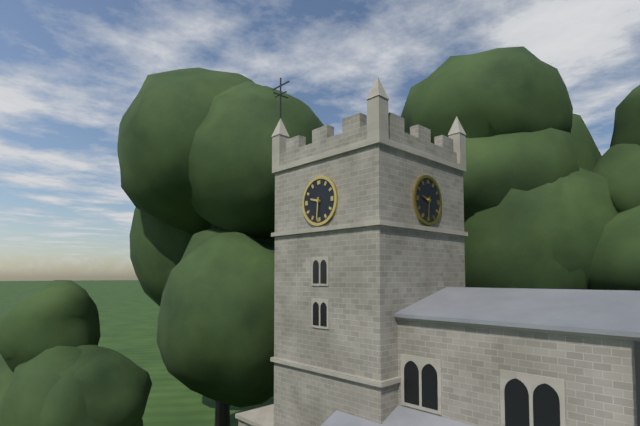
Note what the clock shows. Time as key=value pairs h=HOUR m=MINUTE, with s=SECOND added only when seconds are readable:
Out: h=9 m=31
